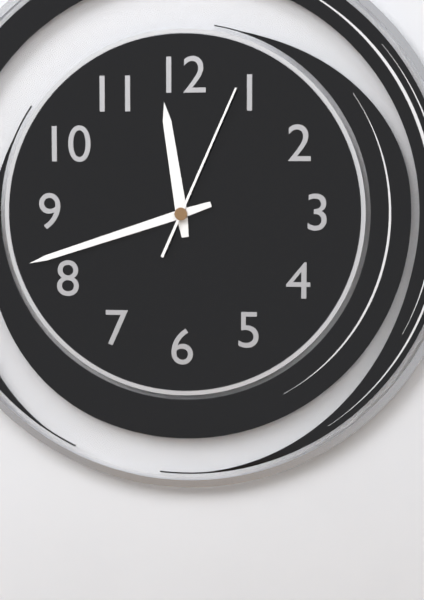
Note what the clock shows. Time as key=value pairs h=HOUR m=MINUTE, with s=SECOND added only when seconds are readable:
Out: h=11 m=42 s=4
